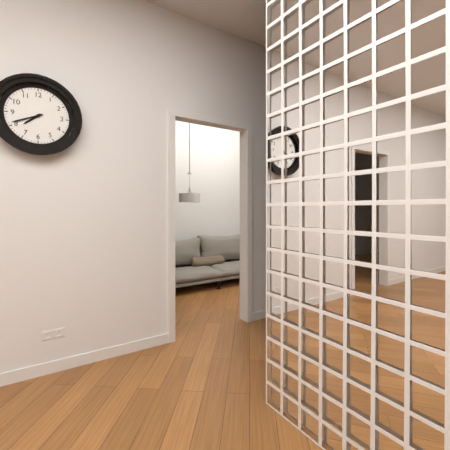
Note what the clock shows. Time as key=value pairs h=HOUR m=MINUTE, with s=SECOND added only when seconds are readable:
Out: h=7 m=41
